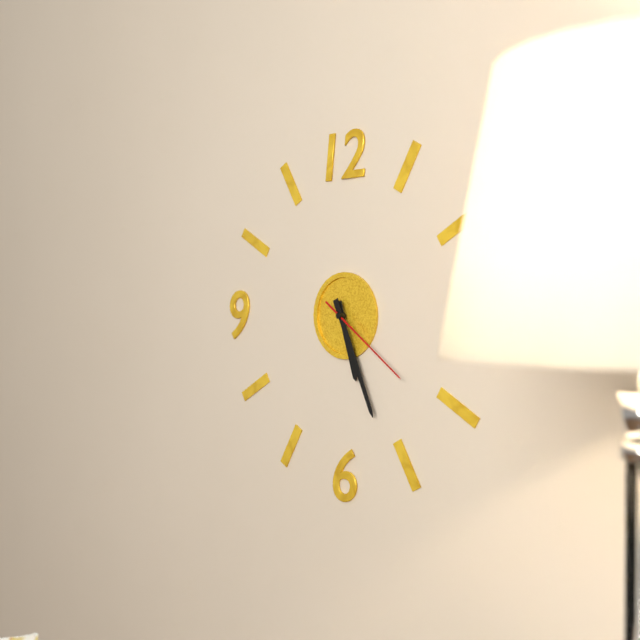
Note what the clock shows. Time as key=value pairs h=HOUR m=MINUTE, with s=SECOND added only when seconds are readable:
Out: h=5 m=26 s=21
